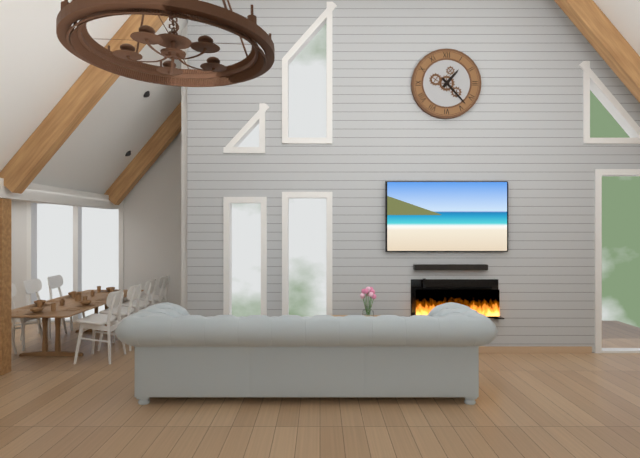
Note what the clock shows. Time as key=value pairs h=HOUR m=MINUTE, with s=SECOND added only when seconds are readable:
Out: h=1 m=23
